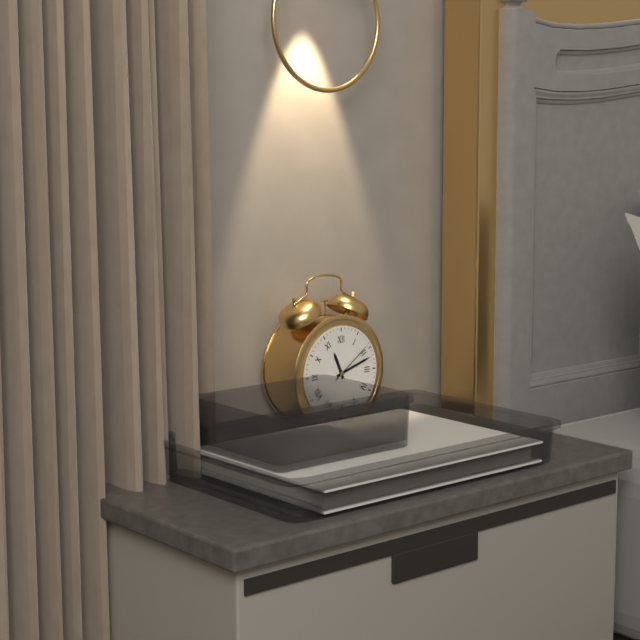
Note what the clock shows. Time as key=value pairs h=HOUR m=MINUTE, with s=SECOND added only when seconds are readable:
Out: h=11 m=12
